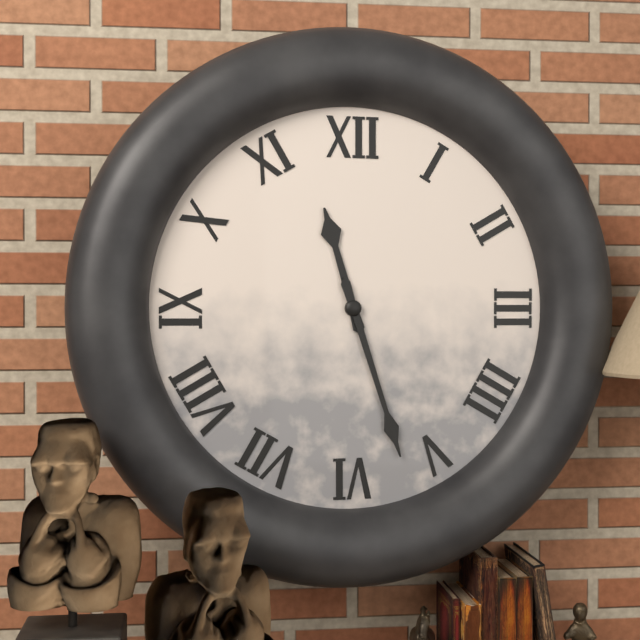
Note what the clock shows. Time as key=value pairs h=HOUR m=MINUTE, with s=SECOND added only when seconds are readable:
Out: h=11 m=27
